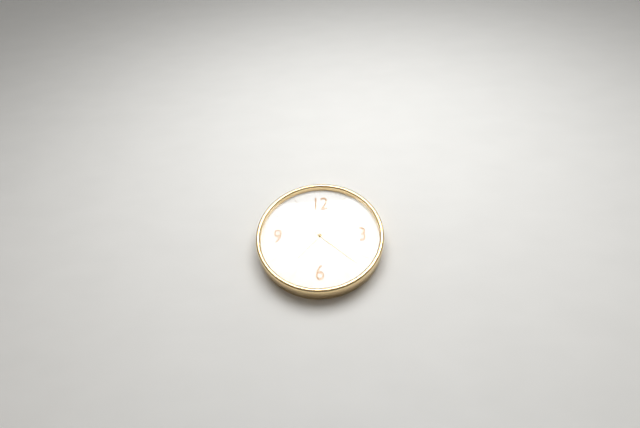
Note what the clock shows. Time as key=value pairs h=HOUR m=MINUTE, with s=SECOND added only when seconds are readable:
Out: h=7 m=22
